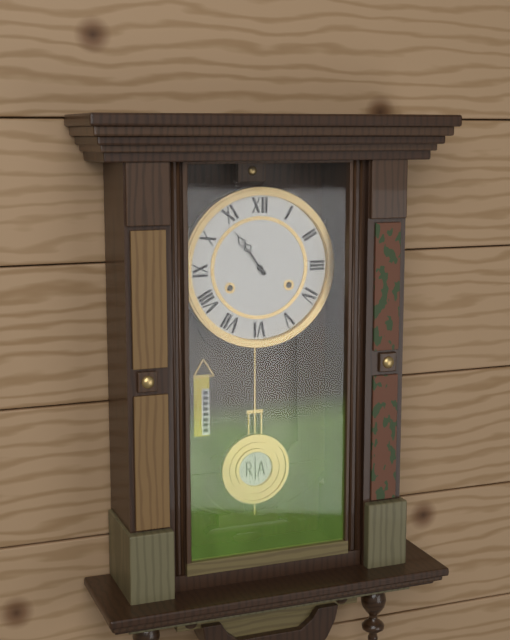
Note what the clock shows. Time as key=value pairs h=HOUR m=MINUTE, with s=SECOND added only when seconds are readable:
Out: h=10 m=54
